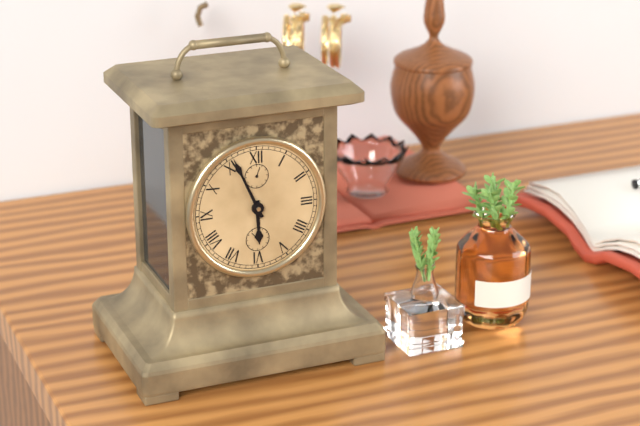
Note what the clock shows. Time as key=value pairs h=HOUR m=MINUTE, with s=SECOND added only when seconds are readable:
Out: h=5 m=56
